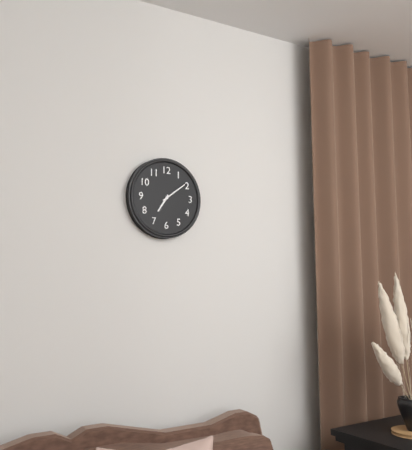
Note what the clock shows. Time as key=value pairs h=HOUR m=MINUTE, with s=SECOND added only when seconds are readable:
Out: h=7 m=9
